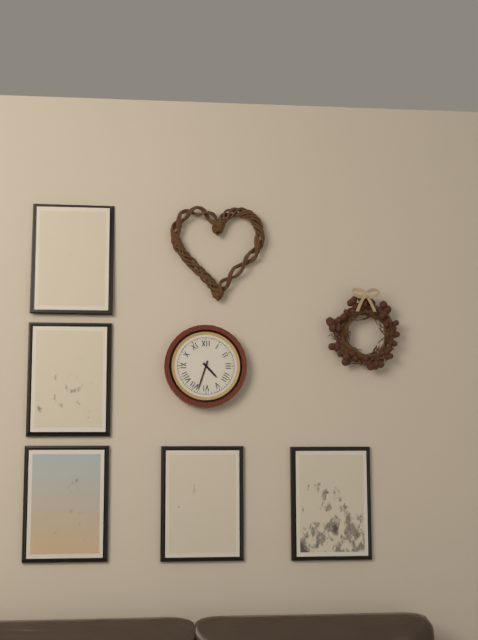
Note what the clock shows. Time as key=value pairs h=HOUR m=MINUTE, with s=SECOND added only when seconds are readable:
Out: h=4 m=33
